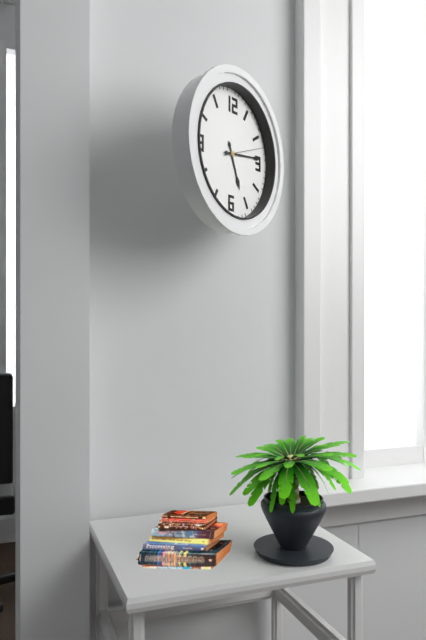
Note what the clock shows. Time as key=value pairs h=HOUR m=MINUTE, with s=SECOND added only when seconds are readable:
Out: h=5 m=14
